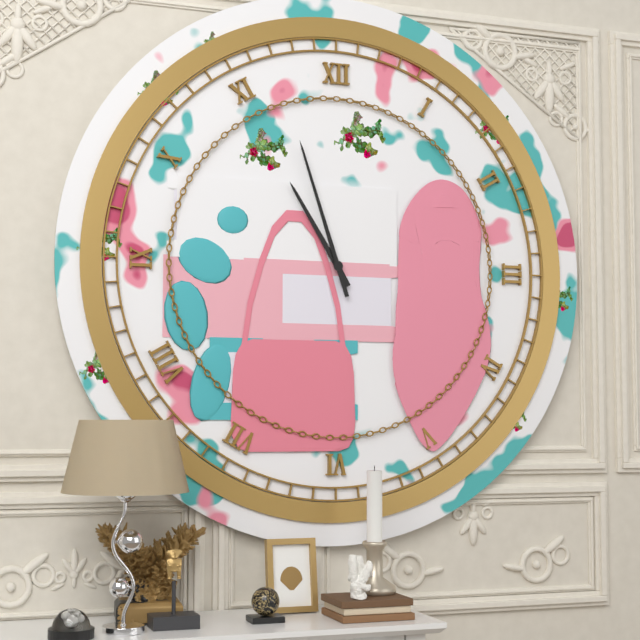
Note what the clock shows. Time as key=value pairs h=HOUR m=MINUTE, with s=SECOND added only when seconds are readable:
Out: h=10 m=57
